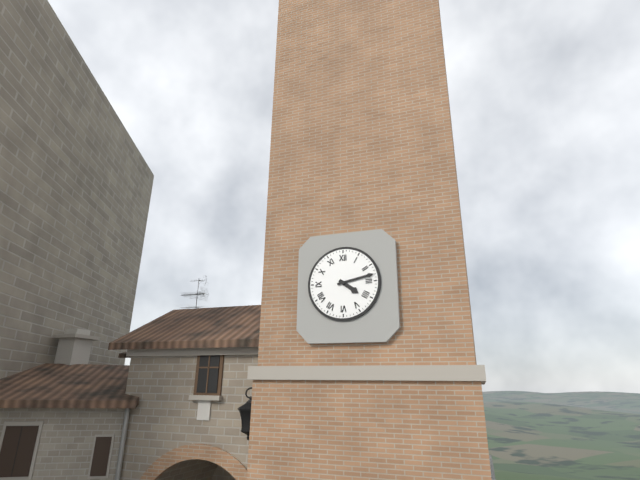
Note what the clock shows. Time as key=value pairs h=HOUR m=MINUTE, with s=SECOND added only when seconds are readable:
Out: h=4 m=13
